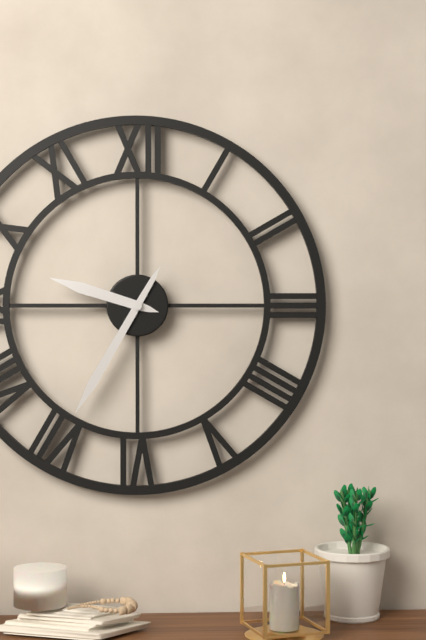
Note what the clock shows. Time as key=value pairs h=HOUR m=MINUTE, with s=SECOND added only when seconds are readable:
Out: h=9 m=35
